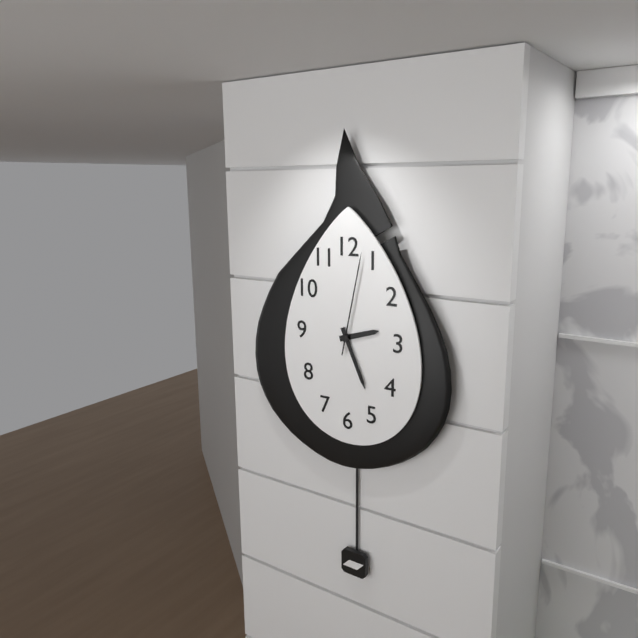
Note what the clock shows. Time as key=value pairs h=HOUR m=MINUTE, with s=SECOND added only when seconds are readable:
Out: h=2 m=26 s=2
